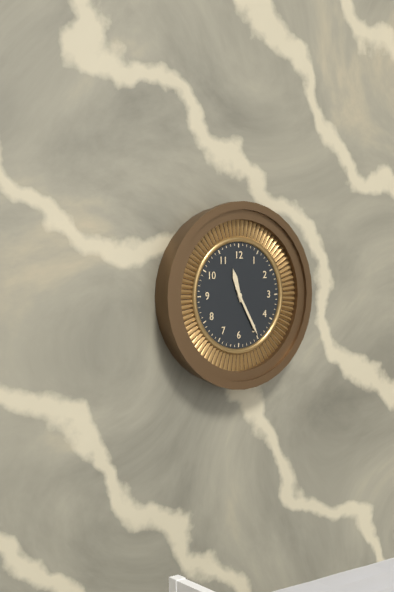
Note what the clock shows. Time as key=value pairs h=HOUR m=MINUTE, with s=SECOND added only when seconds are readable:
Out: h=11 m=25
